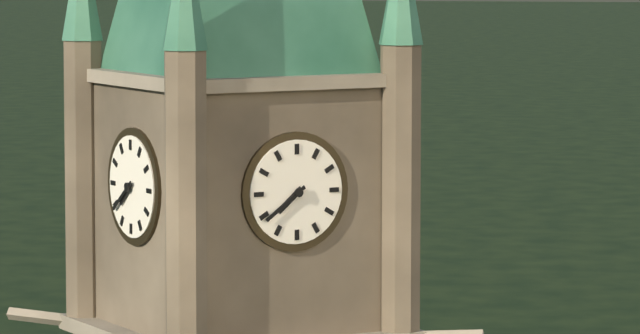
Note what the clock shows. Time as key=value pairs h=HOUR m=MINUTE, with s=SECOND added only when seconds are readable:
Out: h=7 m=39
